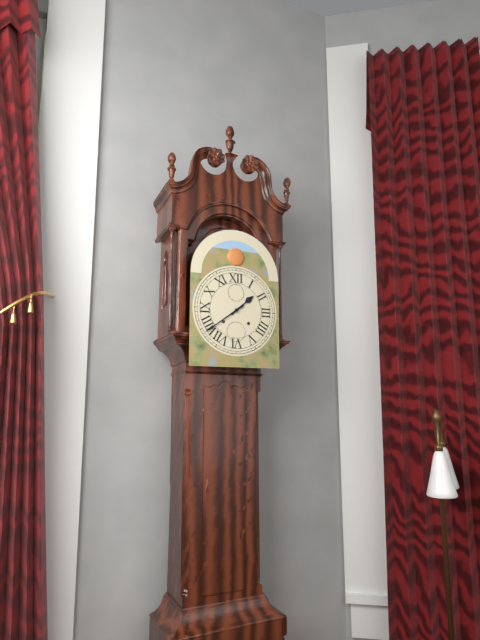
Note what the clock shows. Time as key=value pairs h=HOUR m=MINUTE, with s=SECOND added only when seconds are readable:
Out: h=1 m=39
